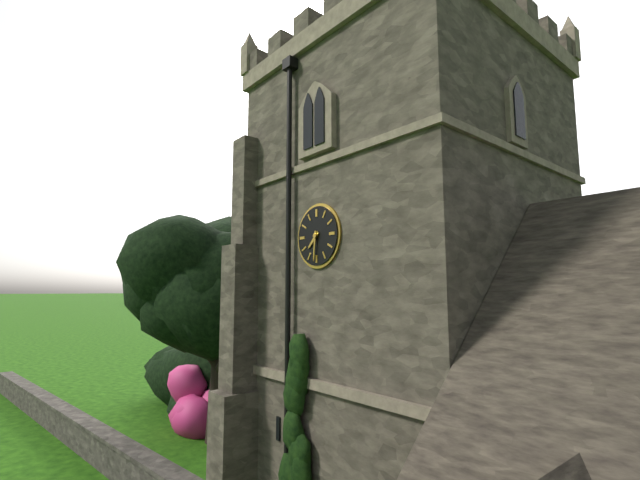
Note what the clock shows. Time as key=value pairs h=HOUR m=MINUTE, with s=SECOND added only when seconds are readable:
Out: h=7 m=31
